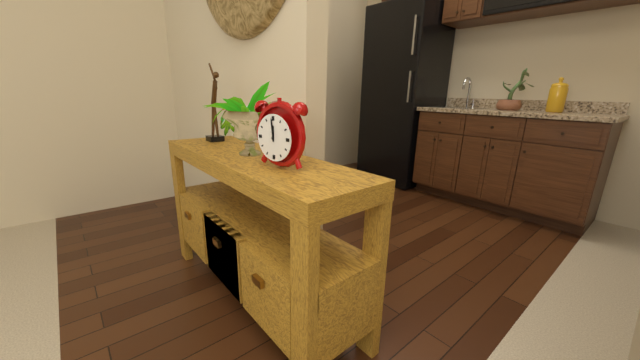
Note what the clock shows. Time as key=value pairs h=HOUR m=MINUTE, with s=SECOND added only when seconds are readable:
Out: h=11 m=59
